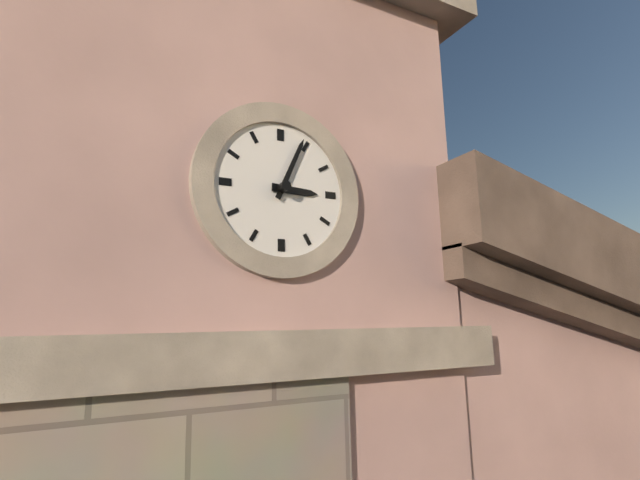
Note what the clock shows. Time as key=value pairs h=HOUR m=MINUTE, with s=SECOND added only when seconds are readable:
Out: h=3 m=4
